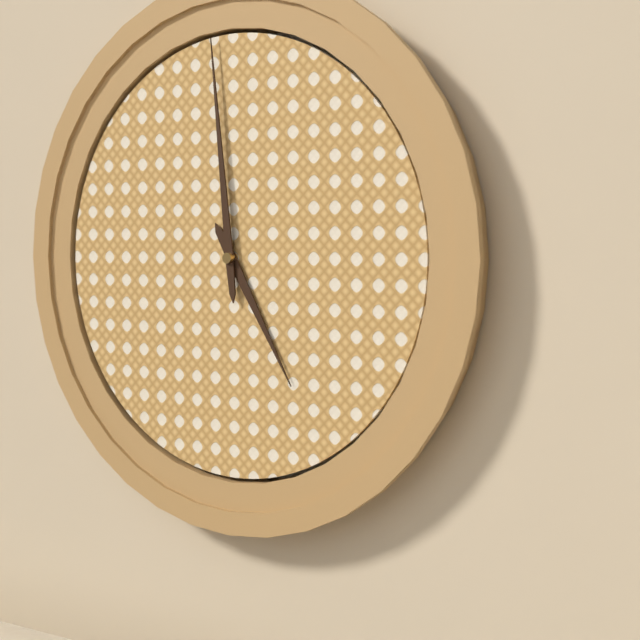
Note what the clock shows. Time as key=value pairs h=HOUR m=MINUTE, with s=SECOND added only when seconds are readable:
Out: h=4 m=59
